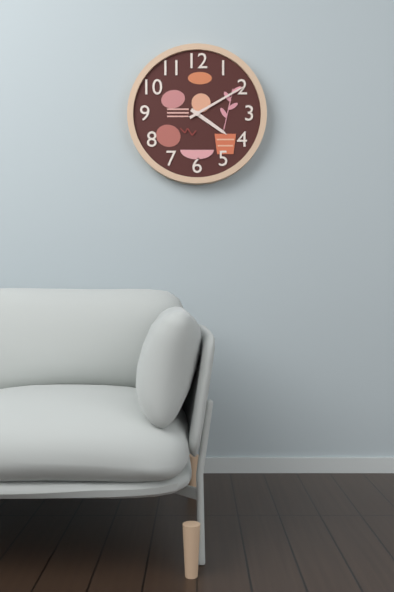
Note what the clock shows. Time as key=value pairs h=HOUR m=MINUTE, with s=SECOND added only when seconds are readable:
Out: h=4 m=10
